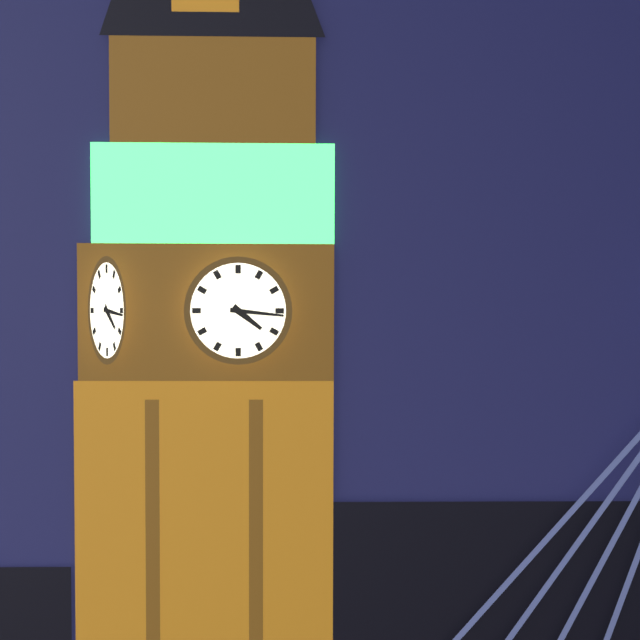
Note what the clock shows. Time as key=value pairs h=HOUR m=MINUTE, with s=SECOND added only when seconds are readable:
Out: h=4 m=16
